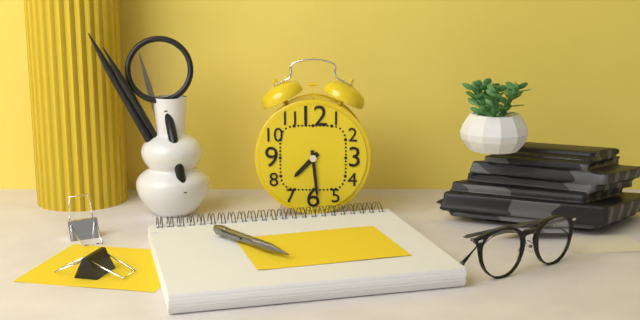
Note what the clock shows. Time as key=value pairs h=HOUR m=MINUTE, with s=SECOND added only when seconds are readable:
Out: h=7 m=29
